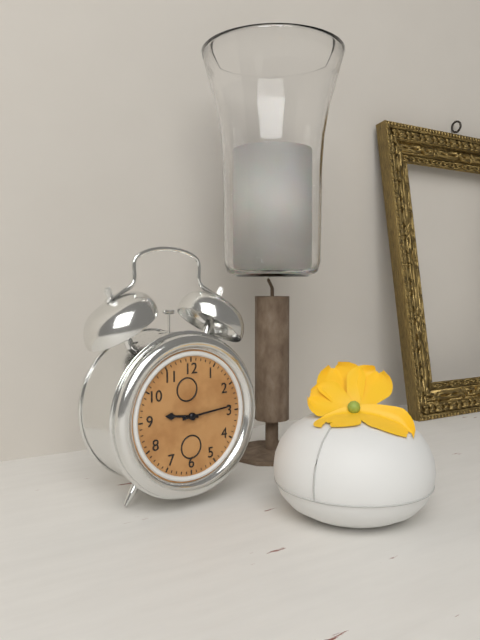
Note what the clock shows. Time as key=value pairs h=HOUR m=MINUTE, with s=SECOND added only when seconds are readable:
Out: h=9 m=14
